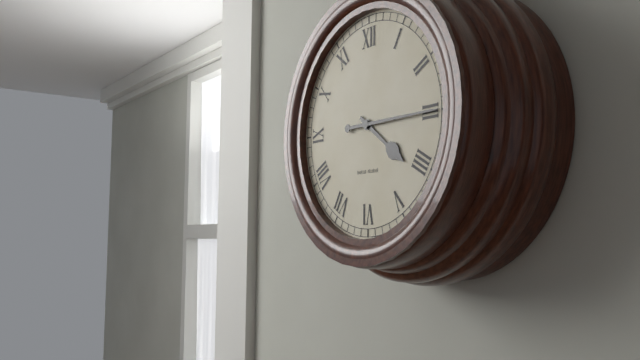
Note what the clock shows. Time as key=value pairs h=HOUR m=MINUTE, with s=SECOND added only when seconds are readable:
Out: h=4 m=15
